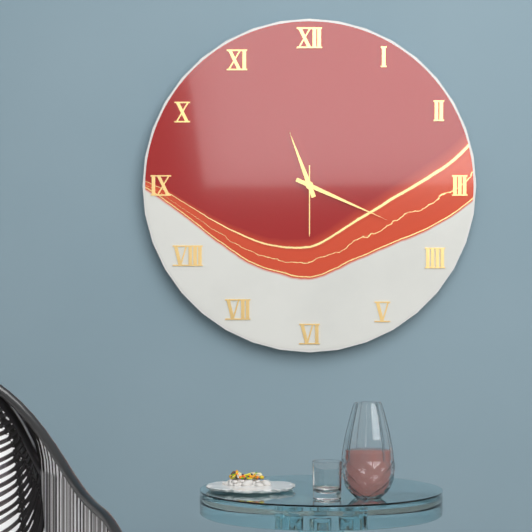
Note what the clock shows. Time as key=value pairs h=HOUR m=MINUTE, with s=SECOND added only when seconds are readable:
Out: h=11 m=19 s=30
